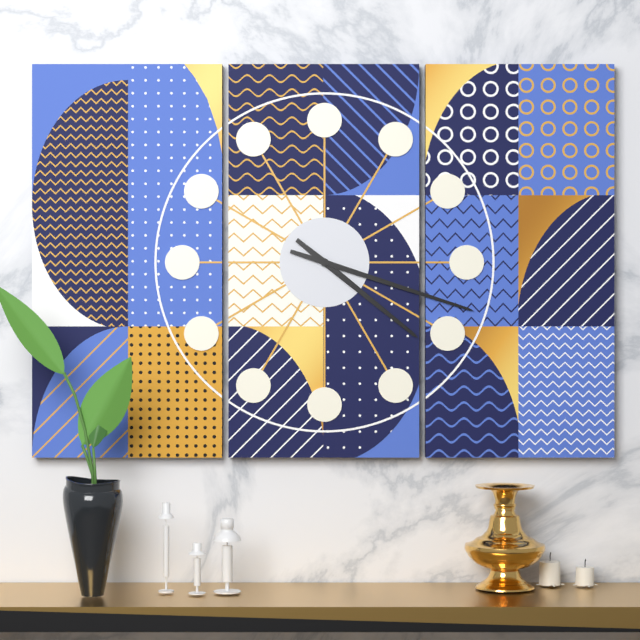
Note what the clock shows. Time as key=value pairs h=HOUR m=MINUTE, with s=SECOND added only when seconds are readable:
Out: h=4 m=18
